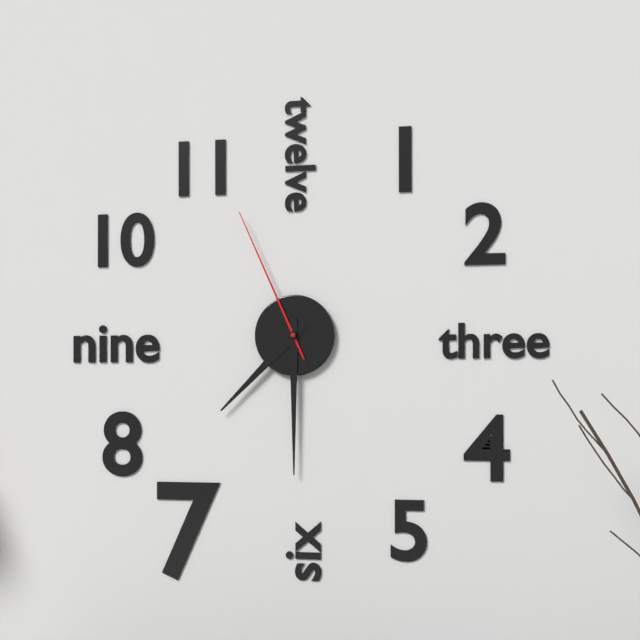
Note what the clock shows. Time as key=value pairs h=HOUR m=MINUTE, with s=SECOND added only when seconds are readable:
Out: h=7 m=30 s=56
